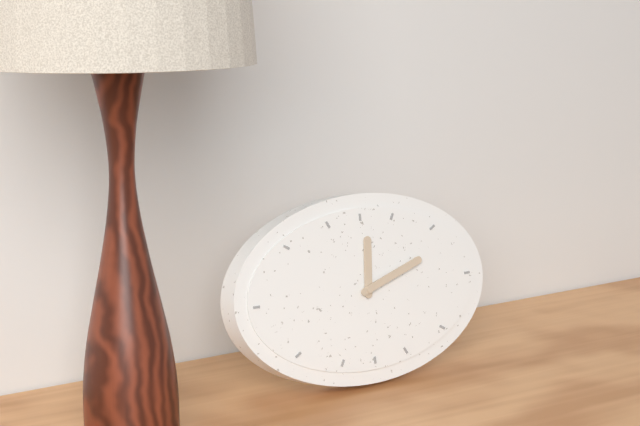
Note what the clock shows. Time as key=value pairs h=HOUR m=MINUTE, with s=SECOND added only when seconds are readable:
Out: h=12 m=12
